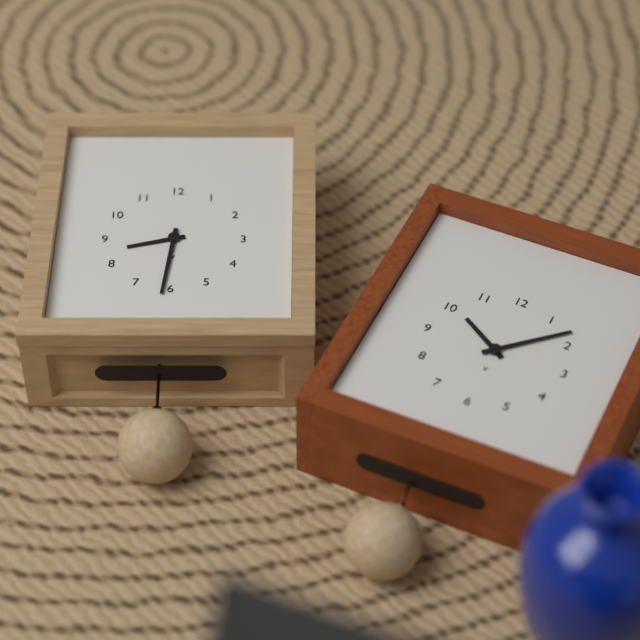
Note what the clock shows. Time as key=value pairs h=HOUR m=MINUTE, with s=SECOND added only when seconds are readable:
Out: h=8 m=31
